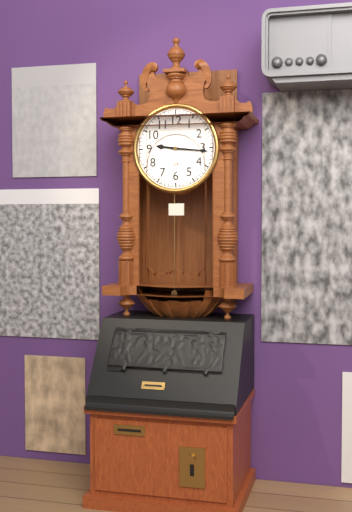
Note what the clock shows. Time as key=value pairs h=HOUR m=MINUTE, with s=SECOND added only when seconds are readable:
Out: h=9 m=16
